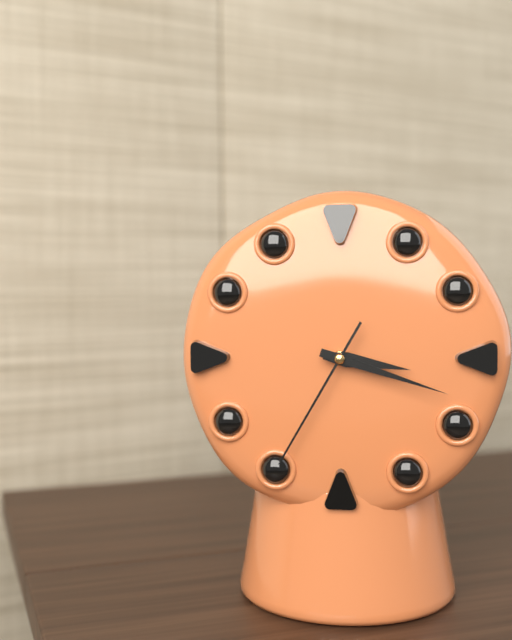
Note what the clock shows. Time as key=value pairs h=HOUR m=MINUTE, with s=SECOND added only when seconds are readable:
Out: h=3 m=18 s=35
